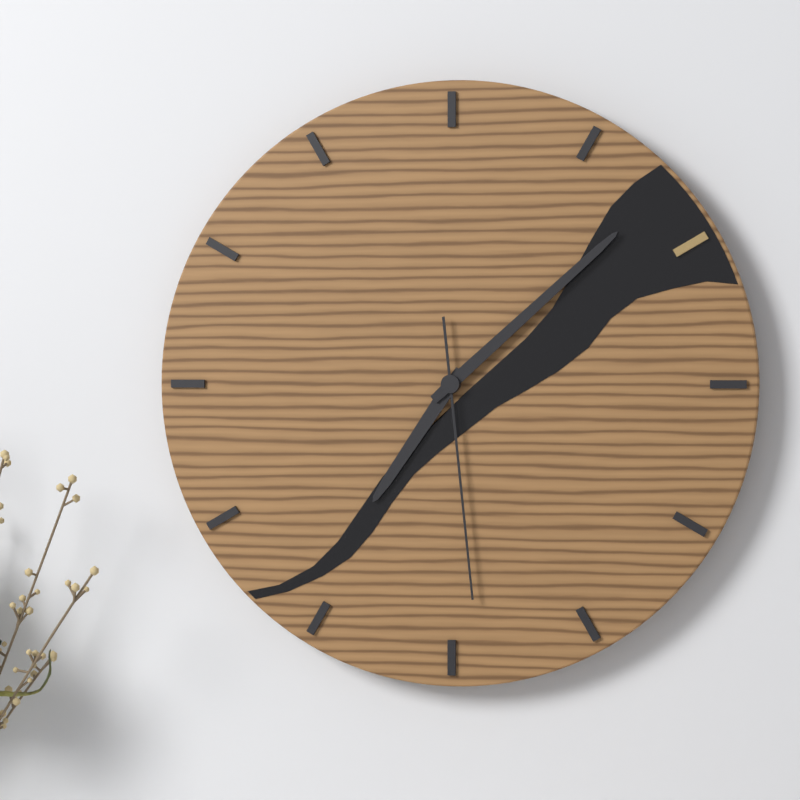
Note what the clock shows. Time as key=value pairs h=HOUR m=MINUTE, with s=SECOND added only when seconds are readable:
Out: h=7 m=8 s=29
